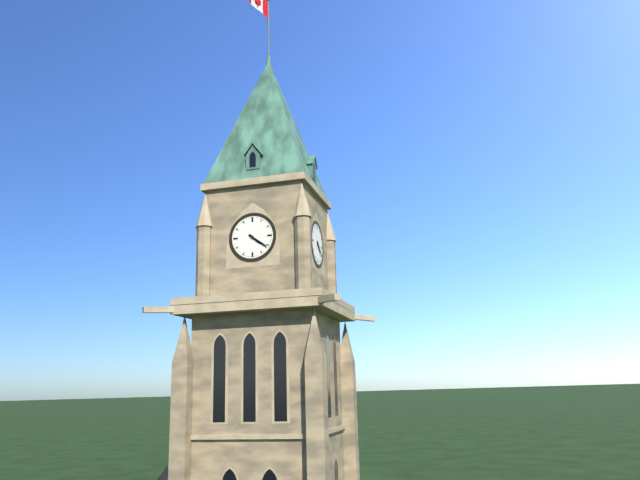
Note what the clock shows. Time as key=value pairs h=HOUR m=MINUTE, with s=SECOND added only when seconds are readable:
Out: h=4 m=21
